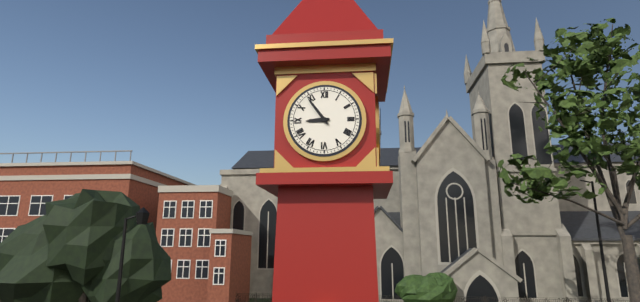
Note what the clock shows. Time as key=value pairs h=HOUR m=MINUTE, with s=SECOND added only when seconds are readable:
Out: h=8 m=54
